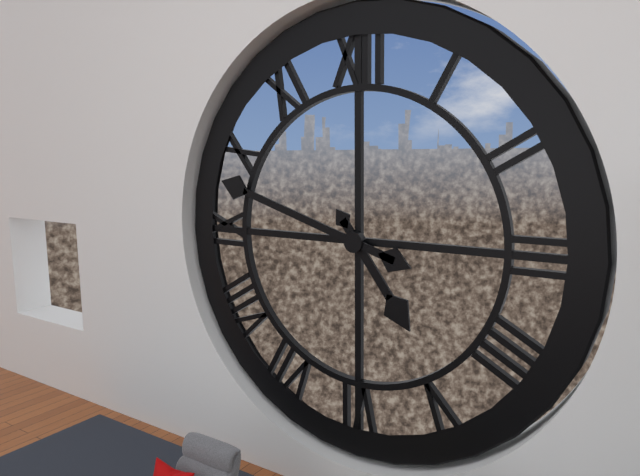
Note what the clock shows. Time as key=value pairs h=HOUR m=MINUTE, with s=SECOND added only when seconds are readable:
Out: h=4 m=48
